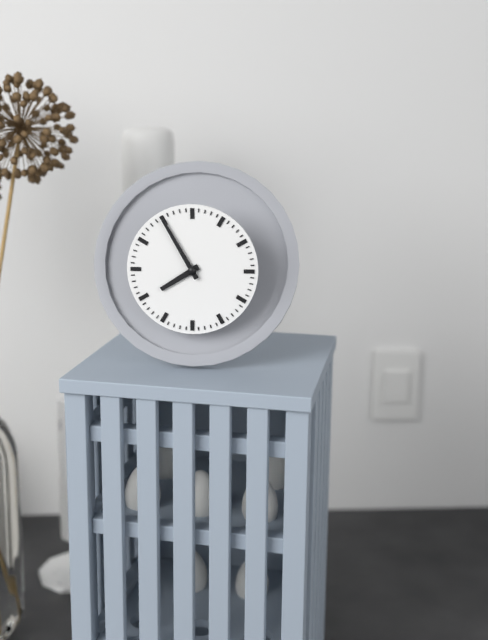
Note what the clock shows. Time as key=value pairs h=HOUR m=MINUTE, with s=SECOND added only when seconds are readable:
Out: h=7 m=55
